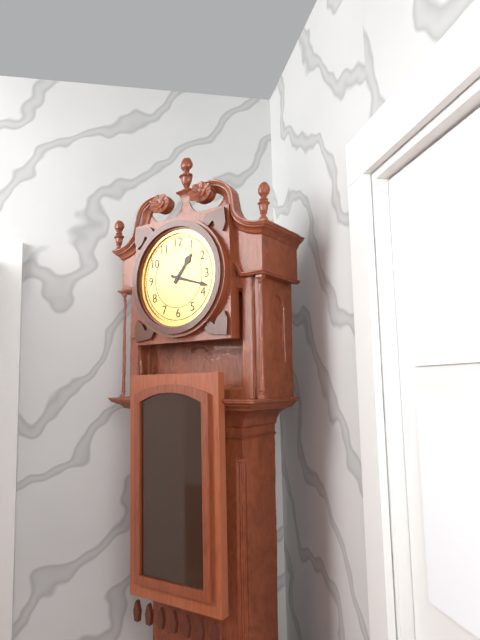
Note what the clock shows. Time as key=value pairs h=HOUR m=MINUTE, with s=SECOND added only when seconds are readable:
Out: h=1 m=18
